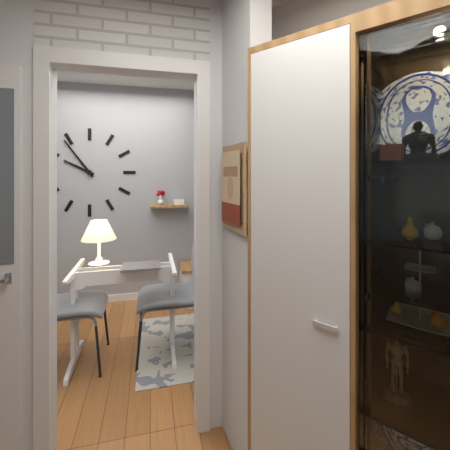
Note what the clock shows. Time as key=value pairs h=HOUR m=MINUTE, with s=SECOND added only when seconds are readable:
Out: h=9 m=54
